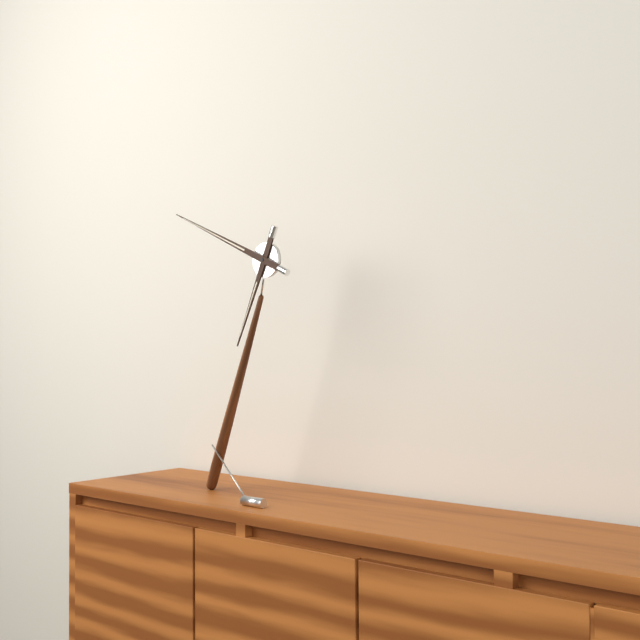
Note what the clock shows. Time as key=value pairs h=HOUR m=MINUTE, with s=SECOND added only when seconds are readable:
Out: h=6 m=49
